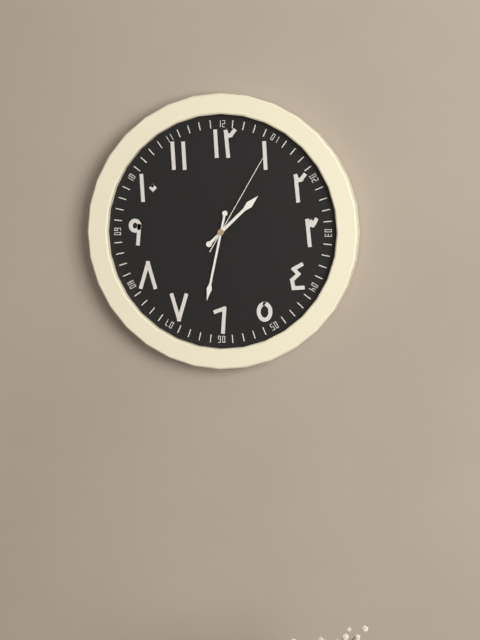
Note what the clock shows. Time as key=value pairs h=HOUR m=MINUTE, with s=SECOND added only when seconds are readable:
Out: h=1 m=32 s=5
